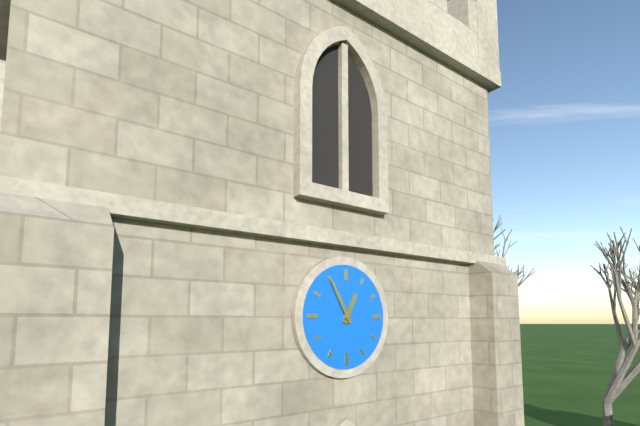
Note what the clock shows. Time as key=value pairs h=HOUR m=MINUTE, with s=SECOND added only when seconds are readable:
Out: h=12 m=55
